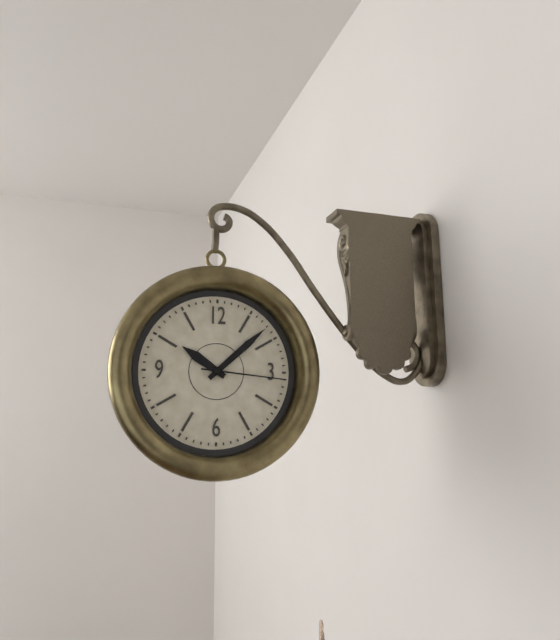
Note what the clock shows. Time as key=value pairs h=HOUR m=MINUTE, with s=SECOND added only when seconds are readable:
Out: h=10 m=8 s=16
